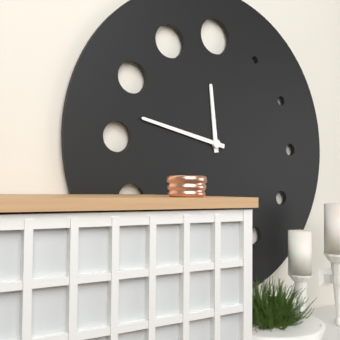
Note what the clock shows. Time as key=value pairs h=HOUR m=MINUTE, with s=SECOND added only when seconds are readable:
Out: h=11 m=47
